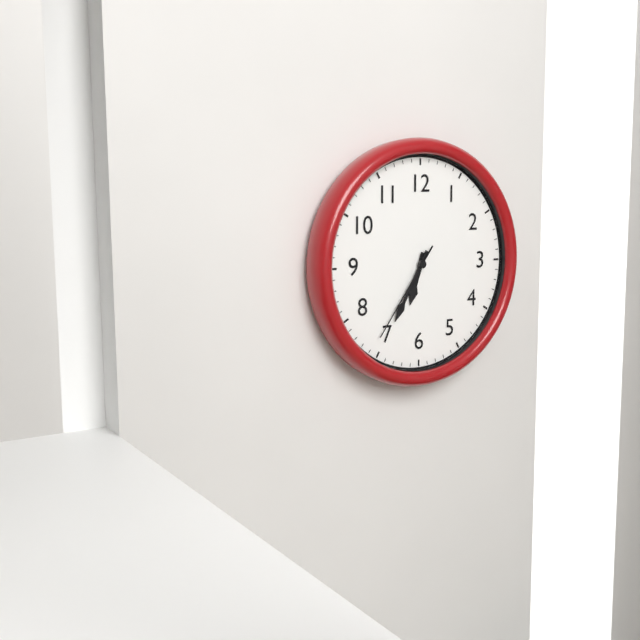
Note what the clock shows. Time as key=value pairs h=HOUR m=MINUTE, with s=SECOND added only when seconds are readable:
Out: h=6 m=35 s=36
